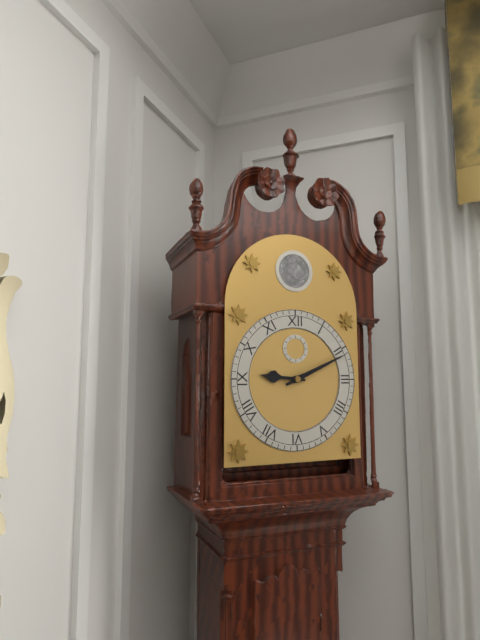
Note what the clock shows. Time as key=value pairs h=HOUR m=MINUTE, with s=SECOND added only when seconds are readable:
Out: h=9 m=11
